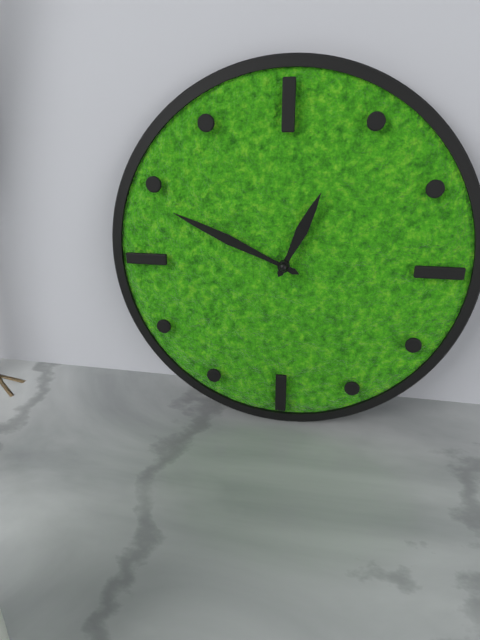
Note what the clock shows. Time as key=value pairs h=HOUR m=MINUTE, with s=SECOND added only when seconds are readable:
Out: h=12 m=49
